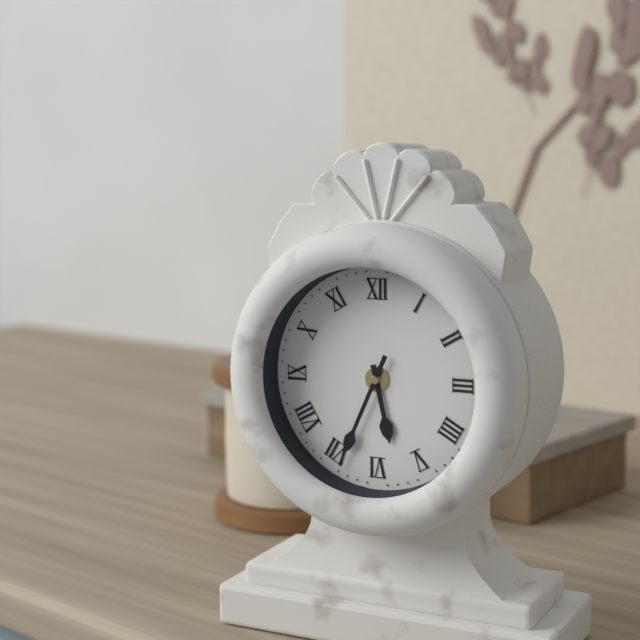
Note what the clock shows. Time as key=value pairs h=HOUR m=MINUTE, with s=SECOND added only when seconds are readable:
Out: h=5 m=34
